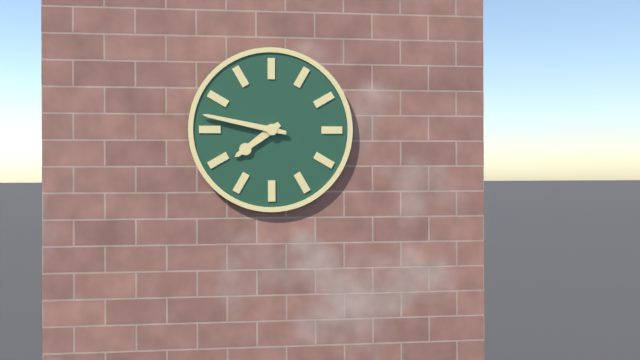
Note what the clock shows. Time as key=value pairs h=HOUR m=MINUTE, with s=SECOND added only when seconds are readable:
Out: h=7 m=47
